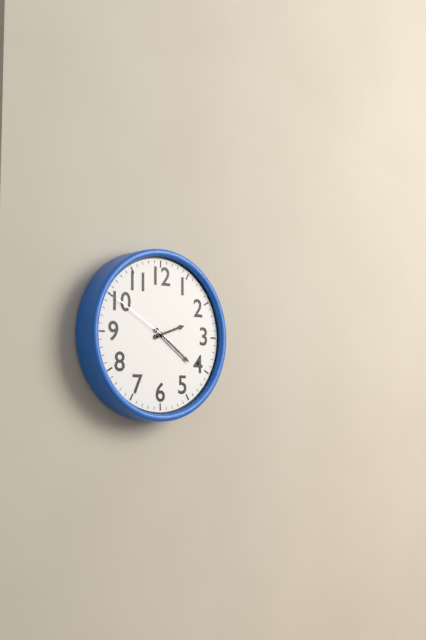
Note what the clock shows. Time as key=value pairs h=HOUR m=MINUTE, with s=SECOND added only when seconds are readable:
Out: h=2 m=21 s=50
